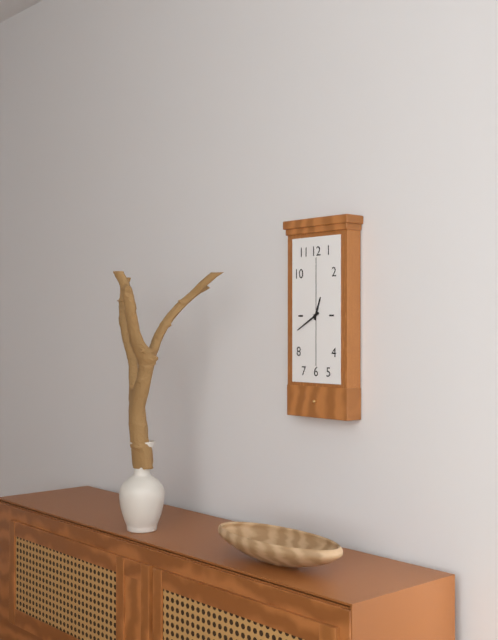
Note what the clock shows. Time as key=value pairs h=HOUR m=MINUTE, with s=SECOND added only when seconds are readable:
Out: h=12 m=40
